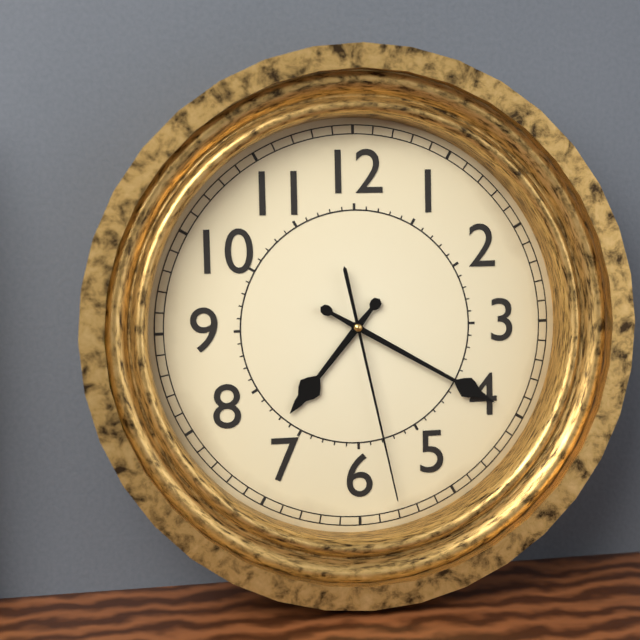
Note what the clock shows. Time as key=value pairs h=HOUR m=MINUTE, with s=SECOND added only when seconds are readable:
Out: h=7 m=20 s=28
